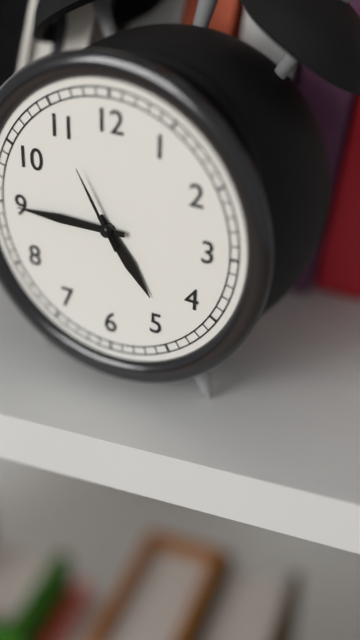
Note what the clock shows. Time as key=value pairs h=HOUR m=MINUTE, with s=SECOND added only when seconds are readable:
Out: h=4 m=45 s=55
